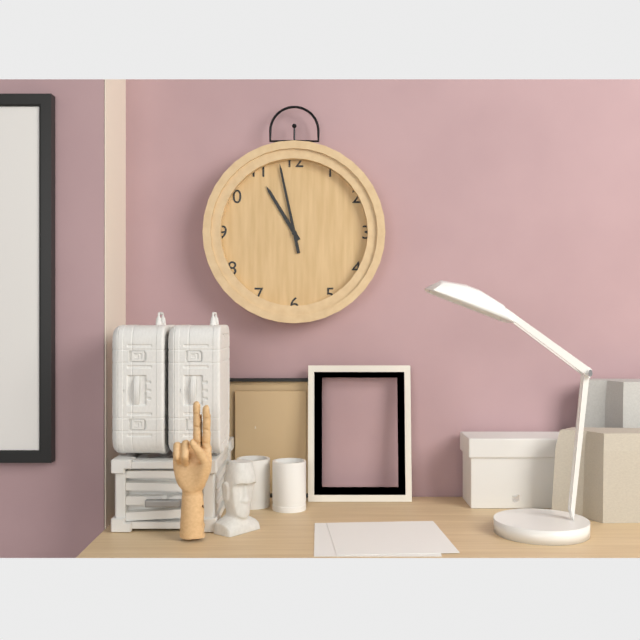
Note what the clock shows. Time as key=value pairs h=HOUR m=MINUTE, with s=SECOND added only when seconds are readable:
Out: h=10 m=58
